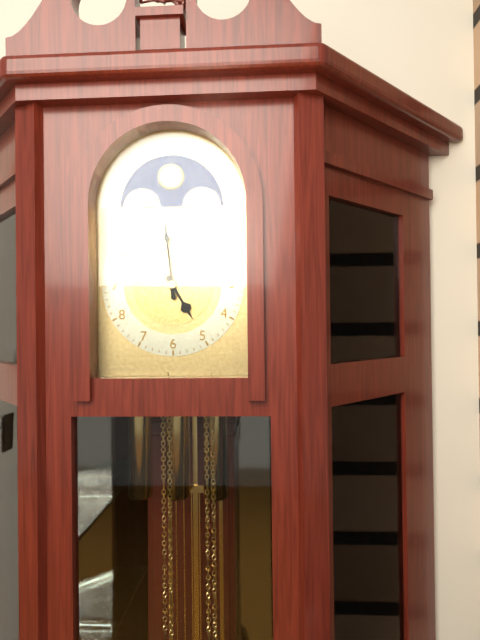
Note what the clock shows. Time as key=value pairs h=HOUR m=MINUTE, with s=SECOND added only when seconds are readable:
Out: h=4 m=59
